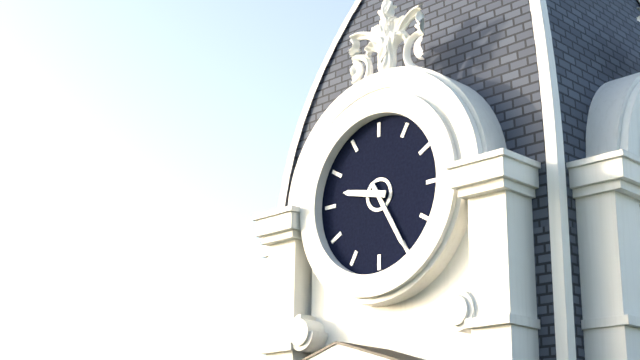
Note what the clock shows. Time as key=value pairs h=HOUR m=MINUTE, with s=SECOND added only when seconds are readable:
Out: h=9 m=25
